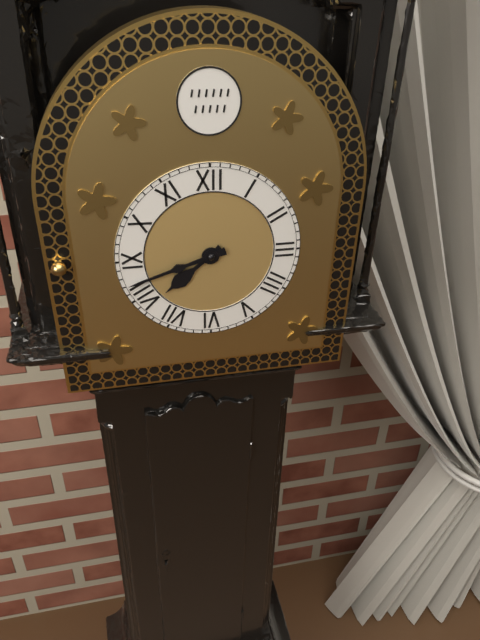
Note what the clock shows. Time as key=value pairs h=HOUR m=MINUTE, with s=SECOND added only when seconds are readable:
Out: h=7 m=42
